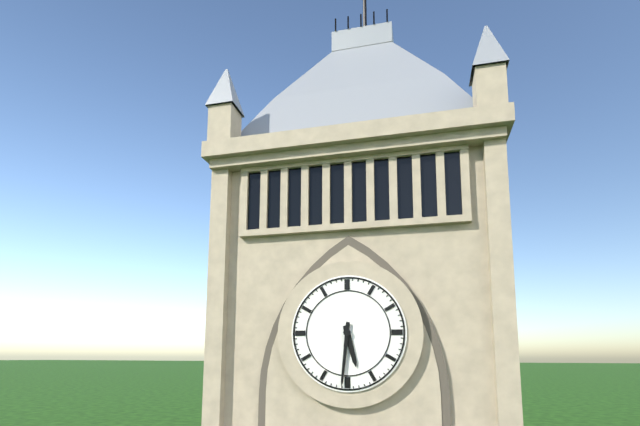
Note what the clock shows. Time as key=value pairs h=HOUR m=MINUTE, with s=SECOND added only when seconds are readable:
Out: h=5 m=31
